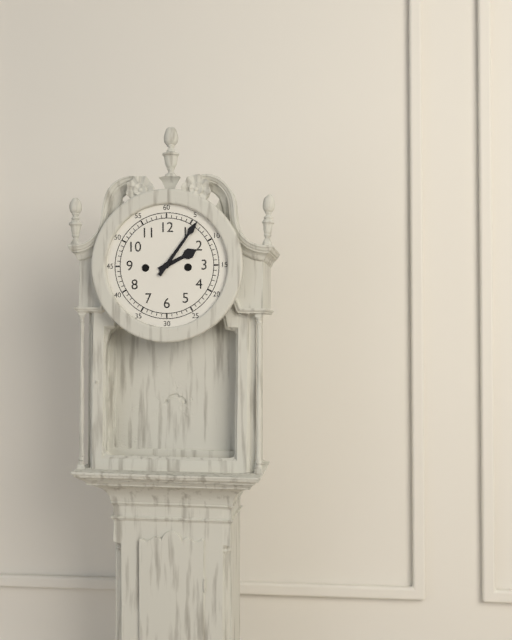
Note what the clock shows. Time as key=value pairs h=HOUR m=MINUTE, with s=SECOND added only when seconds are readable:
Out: h=2 m=6
